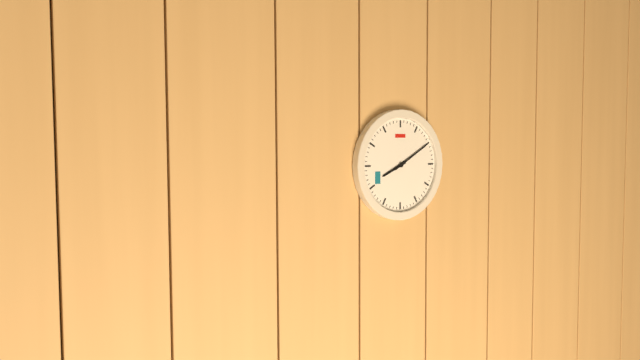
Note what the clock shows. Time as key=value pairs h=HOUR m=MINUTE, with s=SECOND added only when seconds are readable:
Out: h=8 m=10
